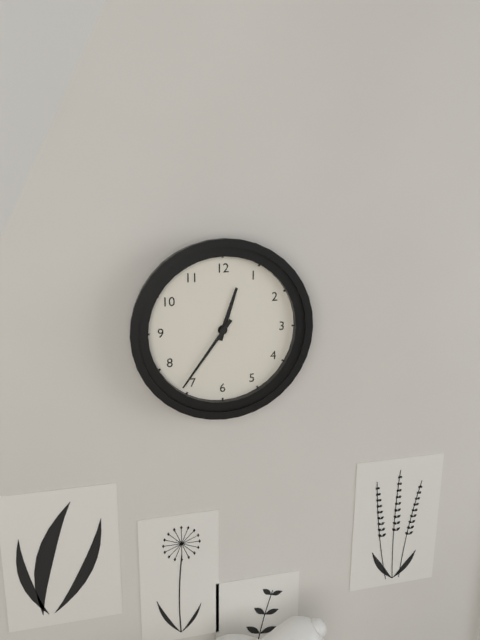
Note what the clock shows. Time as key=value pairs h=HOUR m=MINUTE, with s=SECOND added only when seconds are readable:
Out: h=12 m=36
